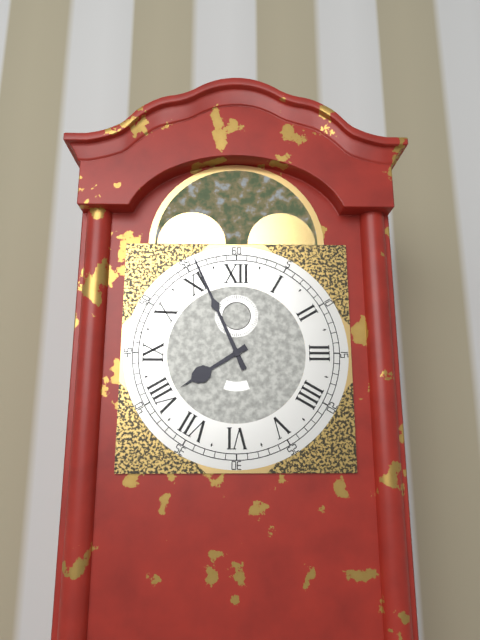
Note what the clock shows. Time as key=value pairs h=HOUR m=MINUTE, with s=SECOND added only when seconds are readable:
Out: h=7 m=56
